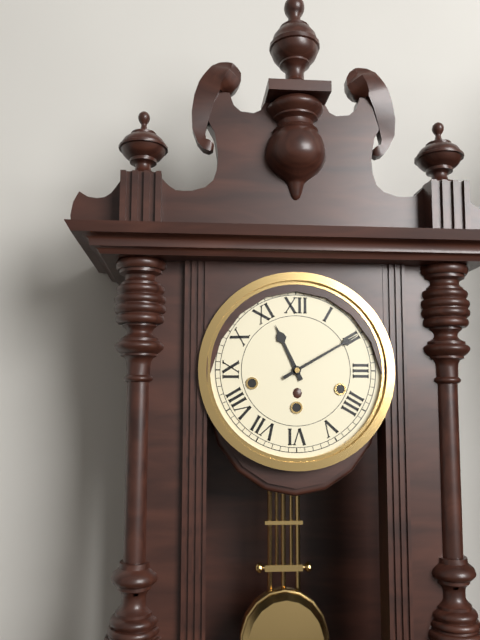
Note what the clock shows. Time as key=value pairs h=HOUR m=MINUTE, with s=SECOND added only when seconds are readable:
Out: h=11 m=10
